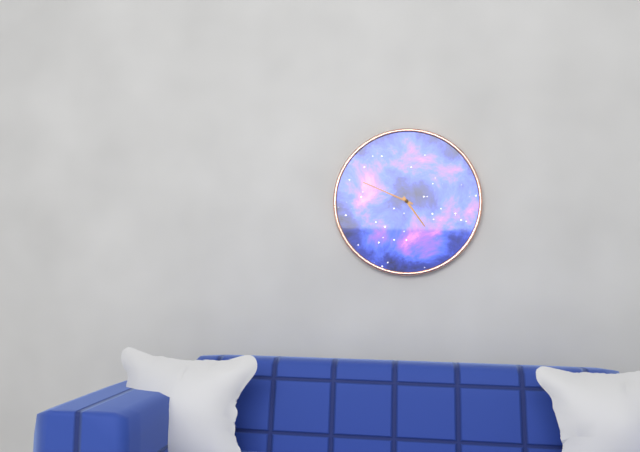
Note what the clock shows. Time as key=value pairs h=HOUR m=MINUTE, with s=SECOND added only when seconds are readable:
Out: h=4 m=49
